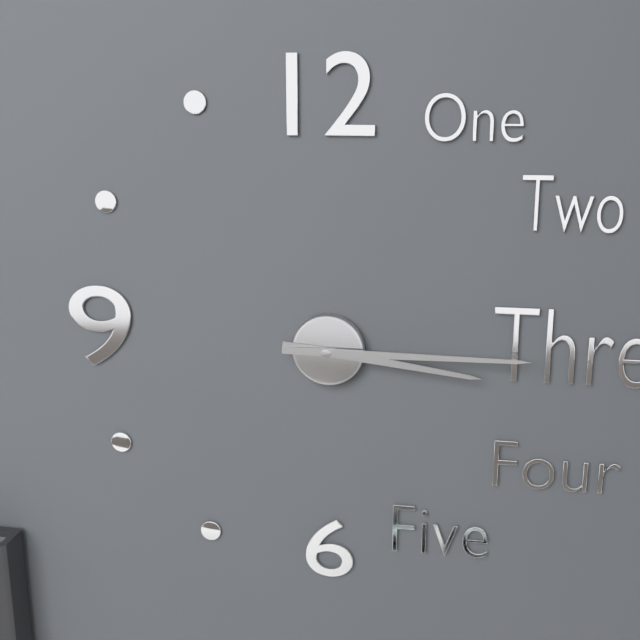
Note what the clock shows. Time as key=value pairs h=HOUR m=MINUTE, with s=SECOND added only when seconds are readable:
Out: h=3 m=15
